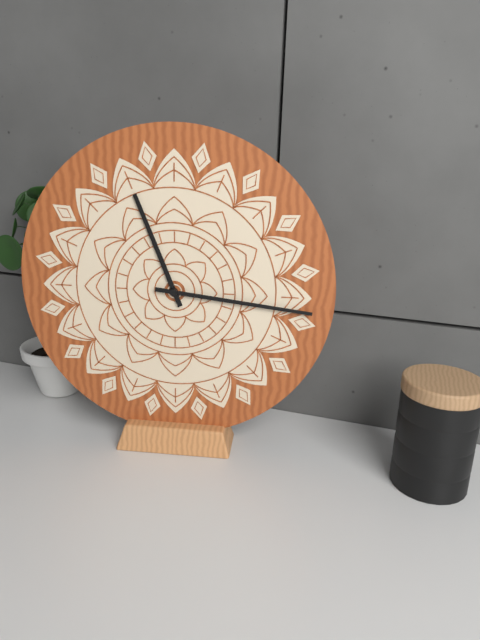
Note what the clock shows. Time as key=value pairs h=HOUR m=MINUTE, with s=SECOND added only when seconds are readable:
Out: h=11 m=16
